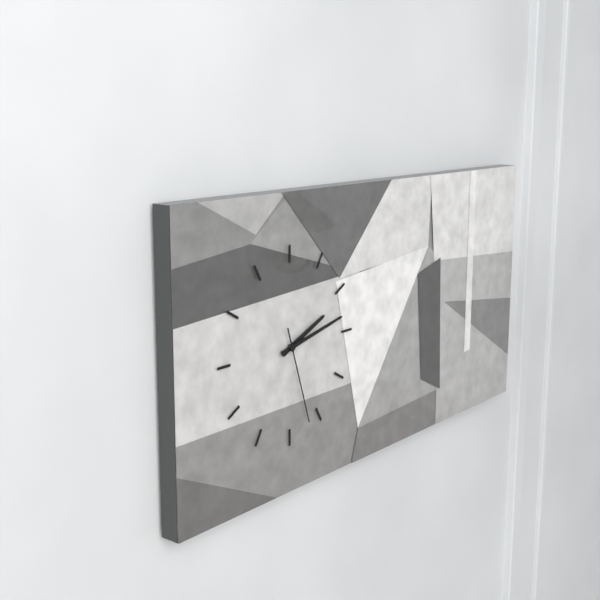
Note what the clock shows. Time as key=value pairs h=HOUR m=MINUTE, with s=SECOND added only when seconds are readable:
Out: h=2 m=13 s=27
